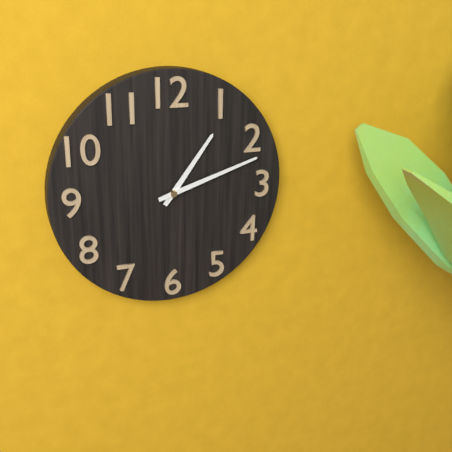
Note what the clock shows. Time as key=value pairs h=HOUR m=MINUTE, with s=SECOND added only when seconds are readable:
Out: h=1 m=12
